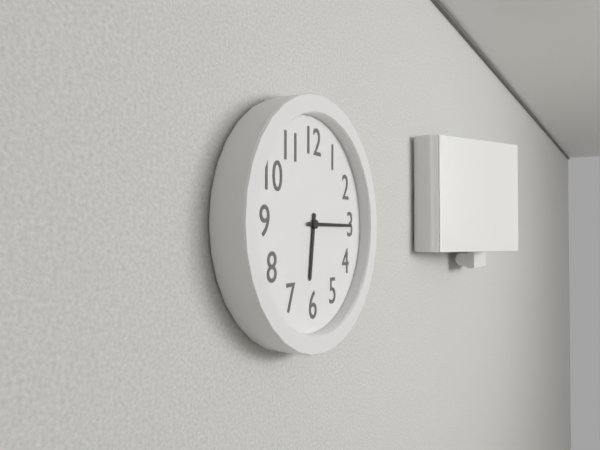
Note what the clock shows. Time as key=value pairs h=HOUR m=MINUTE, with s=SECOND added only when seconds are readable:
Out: h=6 m=15
